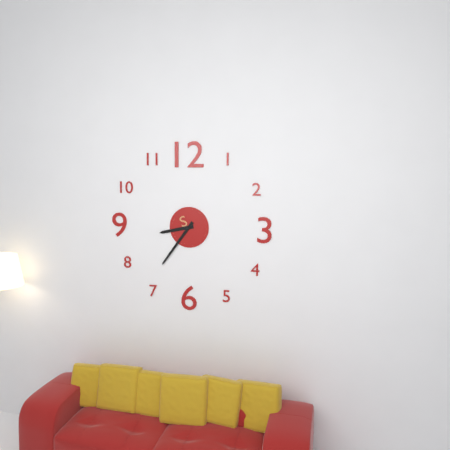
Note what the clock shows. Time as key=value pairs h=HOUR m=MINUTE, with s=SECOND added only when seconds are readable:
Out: h=8 m=36
